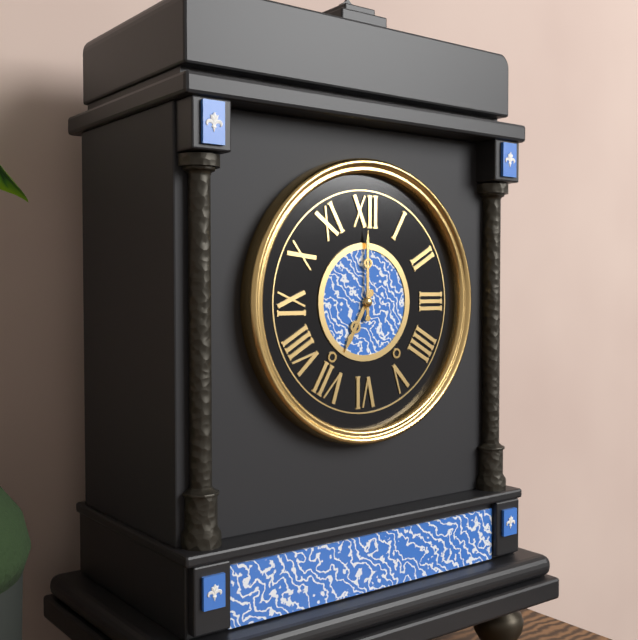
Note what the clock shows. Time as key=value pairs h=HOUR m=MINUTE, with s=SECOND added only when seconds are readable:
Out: h=7 m=0
